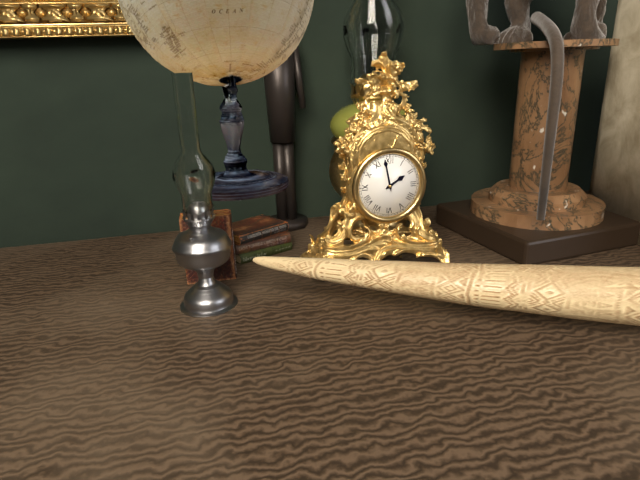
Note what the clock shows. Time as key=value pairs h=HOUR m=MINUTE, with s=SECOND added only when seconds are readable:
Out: h=1 m=58
